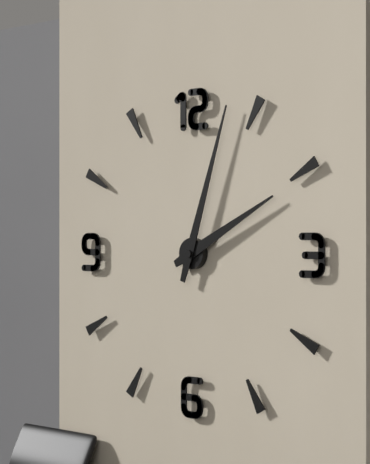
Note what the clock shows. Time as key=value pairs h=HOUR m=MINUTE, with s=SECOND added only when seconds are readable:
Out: h=2 m=3
